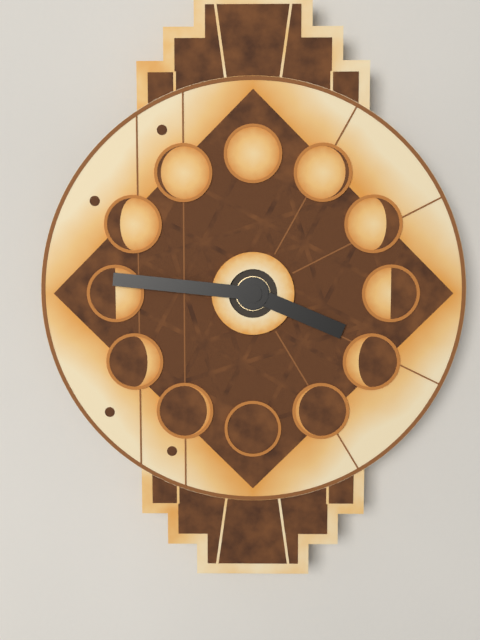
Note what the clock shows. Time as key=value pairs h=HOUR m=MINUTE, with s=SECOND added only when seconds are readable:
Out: h=3 m=46
